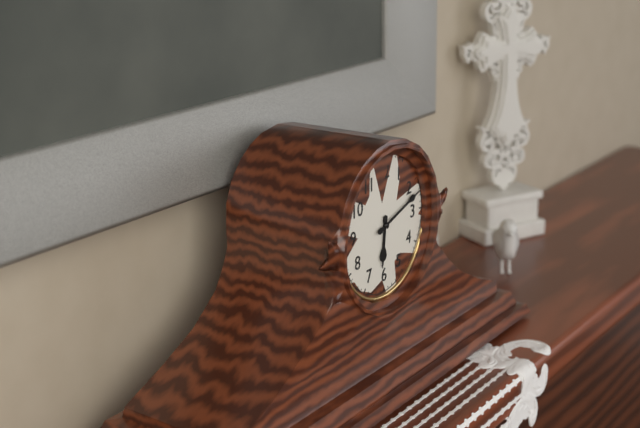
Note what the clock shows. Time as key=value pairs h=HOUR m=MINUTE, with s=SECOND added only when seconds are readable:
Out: h=6 m=12
